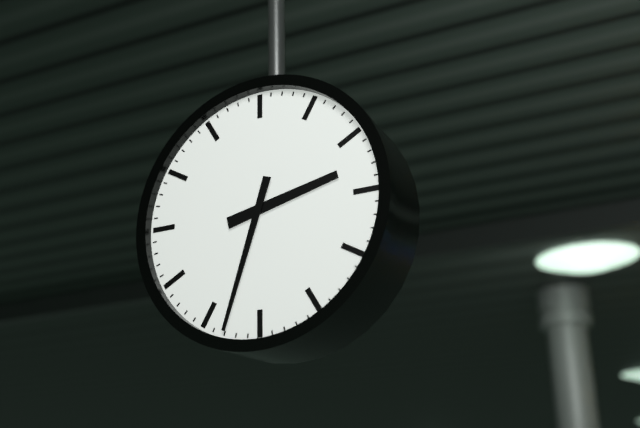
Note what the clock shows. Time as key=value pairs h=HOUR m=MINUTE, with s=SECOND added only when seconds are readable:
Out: h=2 m=33
